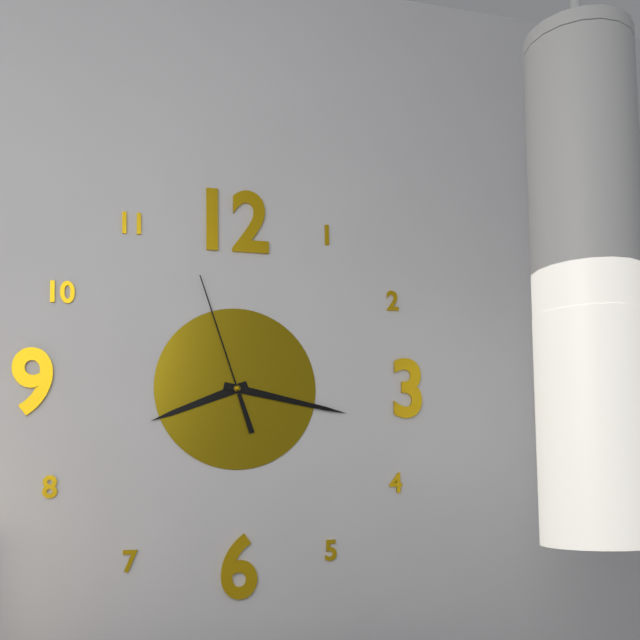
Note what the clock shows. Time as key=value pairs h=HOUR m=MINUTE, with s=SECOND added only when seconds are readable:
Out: h=8 m=17 s=57
